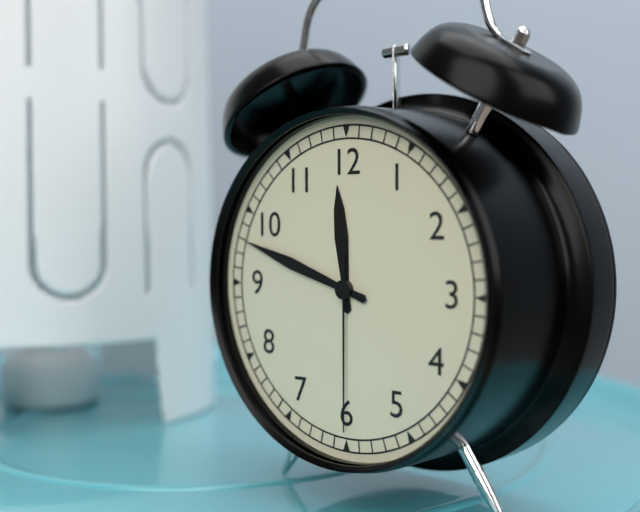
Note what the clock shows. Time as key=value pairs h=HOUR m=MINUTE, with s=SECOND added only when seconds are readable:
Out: h=11 m=48 s=30
